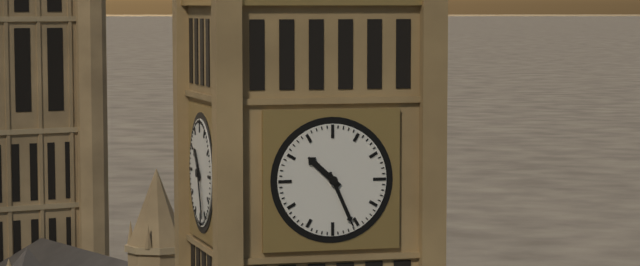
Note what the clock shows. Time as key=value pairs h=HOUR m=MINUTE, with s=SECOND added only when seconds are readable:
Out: h=10 m=26
